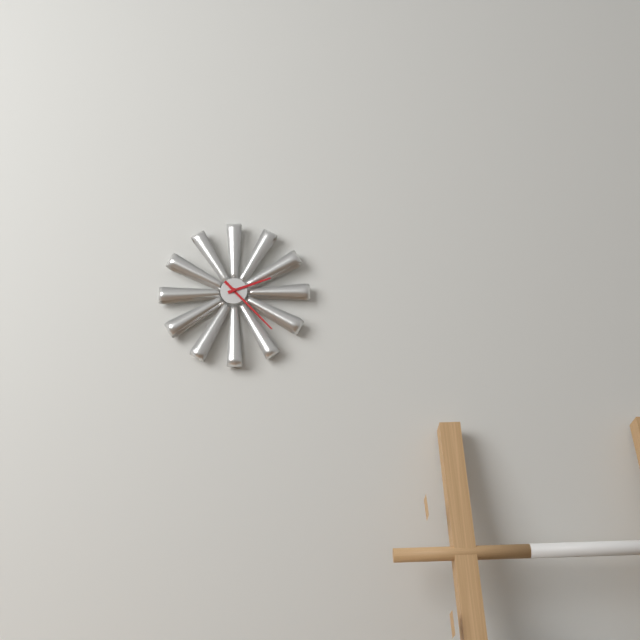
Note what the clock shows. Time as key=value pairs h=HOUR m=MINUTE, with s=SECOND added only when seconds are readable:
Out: h=2 m=23
